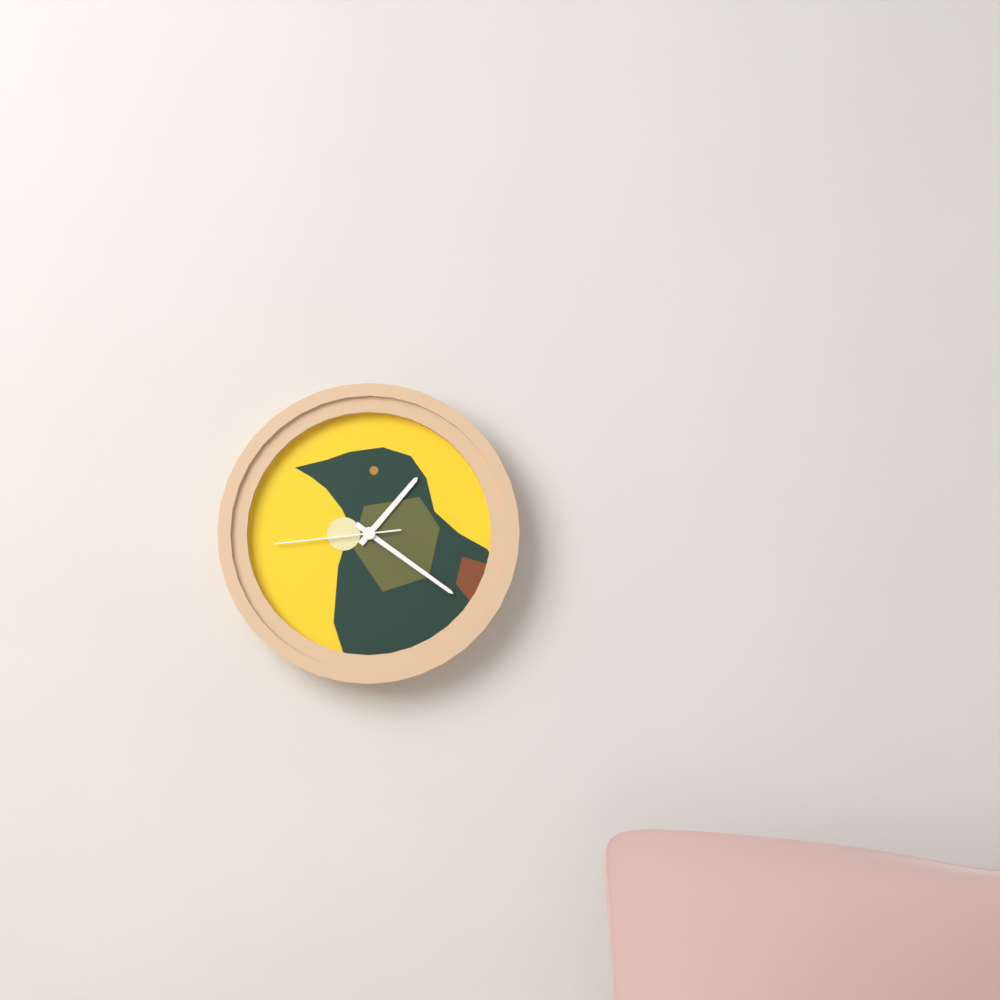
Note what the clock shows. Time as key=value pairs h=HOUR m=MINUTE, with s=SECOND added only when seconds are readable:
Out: h=1 m=21 s=44
